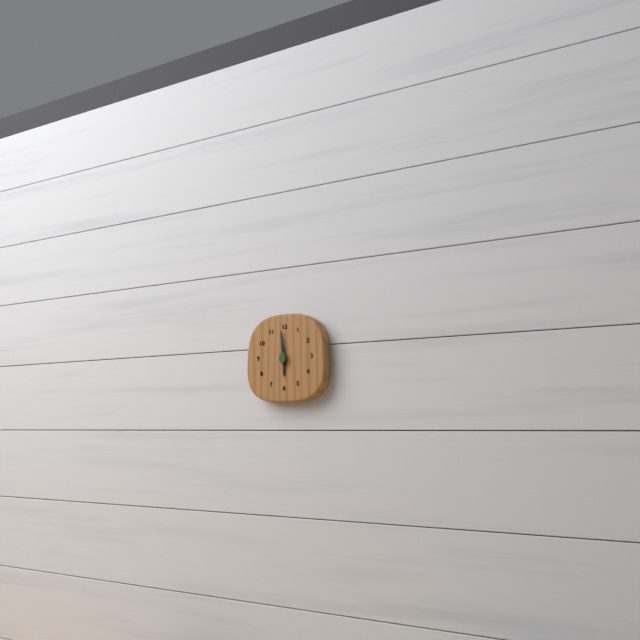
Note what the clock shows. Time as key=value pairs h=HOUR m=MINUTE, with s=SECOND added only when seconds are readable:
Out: h=5 m=59
